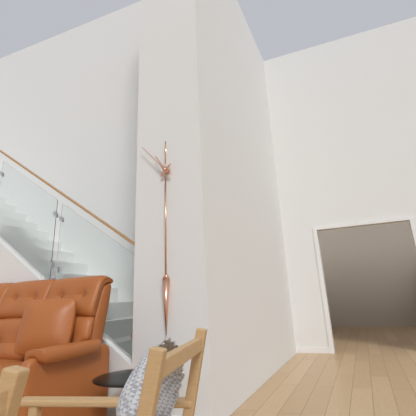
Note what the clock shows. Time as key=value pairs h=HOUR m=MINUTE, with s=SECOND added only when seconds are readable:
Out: h=10 m=53
